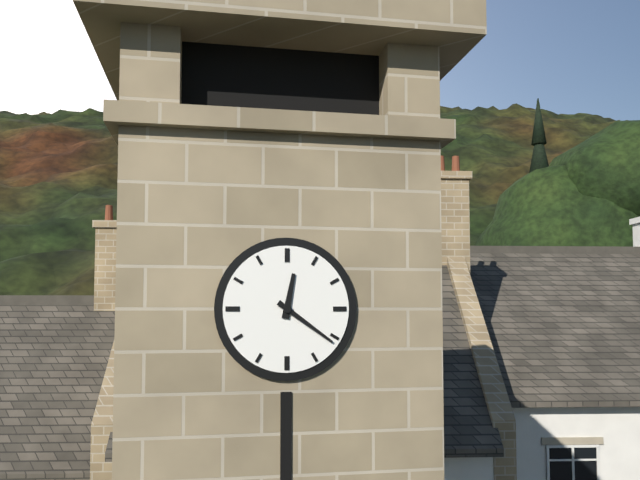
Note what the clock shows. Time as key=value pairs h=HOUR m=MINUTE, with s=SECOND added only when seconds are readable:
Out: h=12 m=21
